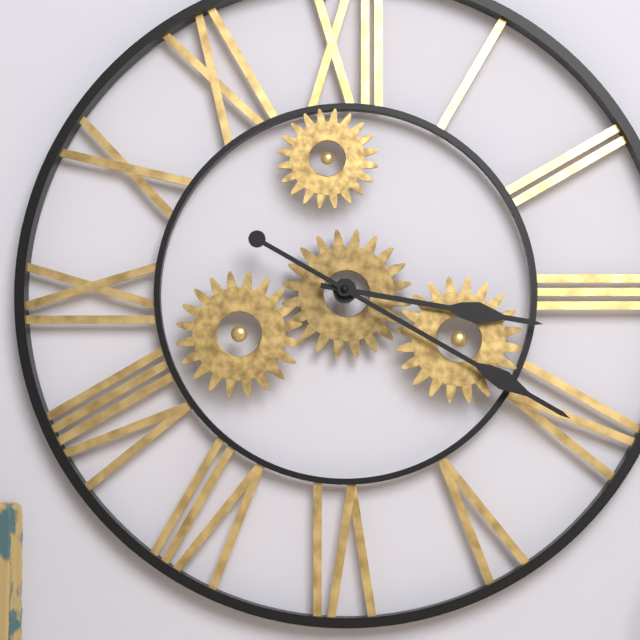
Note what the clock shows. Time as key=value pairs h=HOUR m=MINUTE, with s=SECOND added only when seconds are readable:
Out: h=3 m=20
